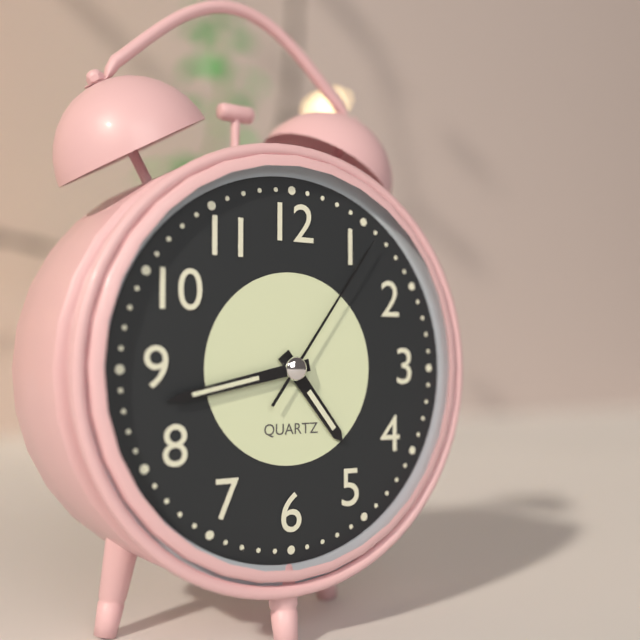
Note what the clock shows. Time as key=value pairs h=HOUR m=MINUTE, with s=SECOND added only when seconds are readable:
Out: h=4 m=43 s=6
